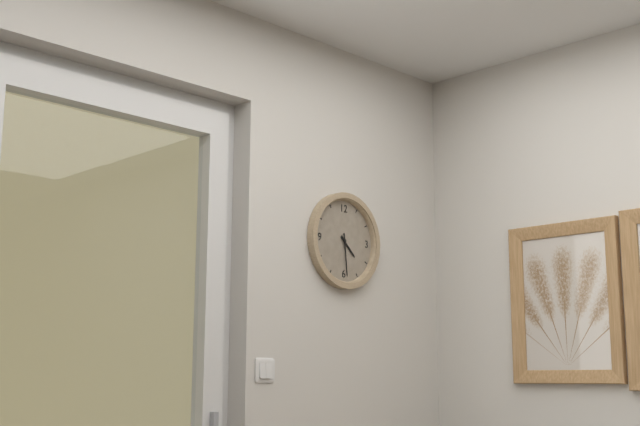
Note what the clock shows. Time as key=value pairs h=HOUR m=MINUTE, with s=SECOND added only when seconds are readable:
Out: h=4 m=29
